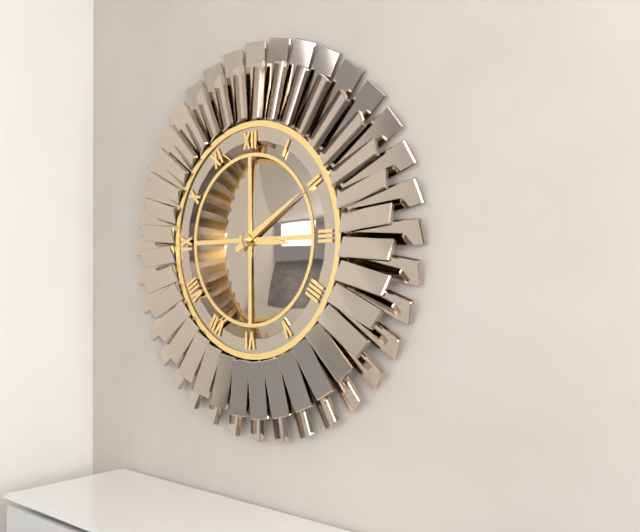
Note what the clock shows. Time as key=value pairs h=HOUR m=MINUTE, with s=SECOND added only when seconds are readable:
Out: h=3 m=10
